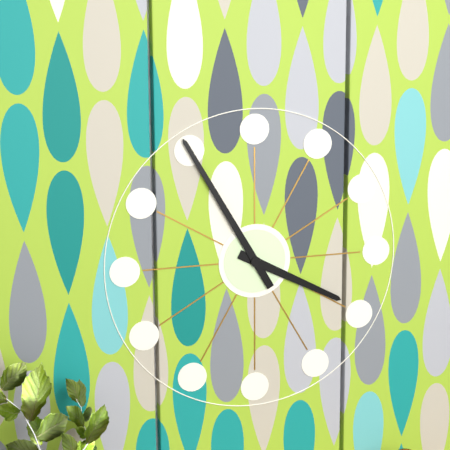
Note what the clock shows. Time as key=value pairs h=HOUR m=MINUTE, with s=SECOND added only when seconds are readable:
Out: h=3 m=55
